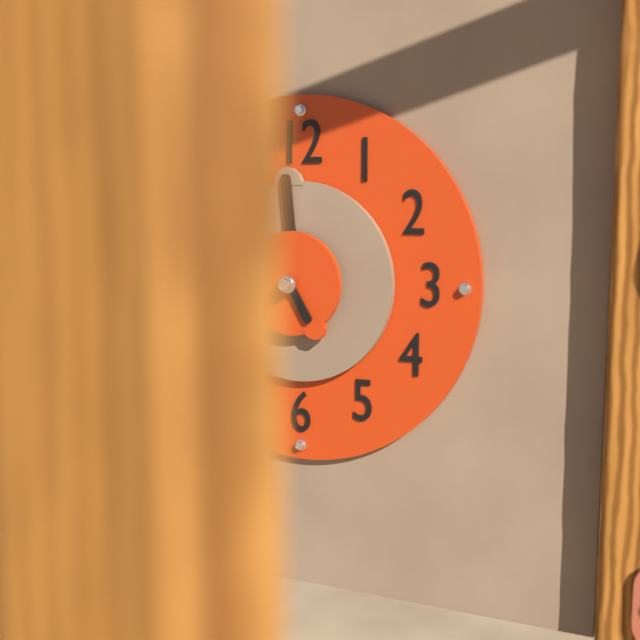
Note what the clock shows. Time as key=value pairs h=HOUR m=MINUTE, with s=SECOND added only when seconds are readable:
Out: h=4 m=59
